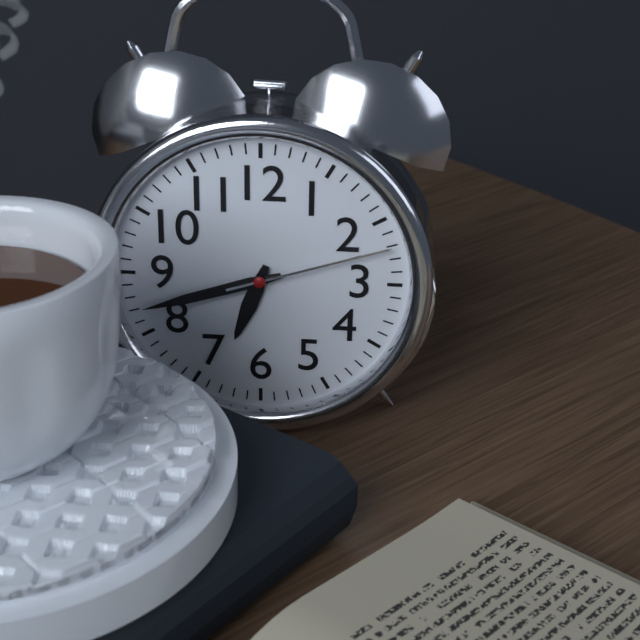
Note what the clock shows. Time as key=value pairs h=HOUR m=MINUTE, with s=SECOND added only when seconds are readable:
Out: h=6 m=42 s=12
